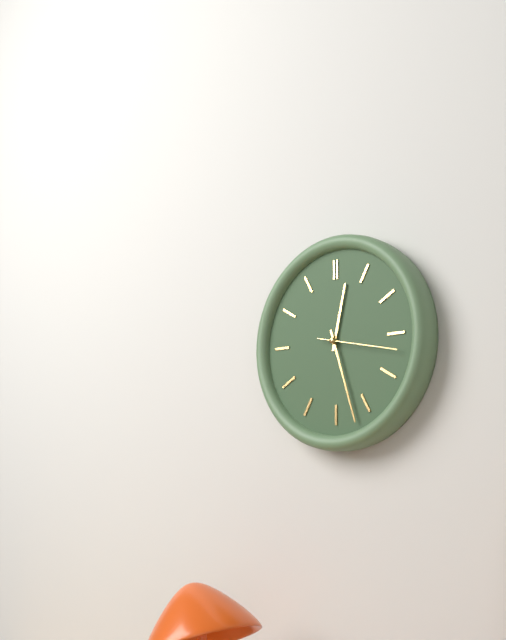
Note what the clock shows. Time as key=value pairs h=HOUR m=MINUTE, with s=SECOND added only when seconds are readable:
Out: h=12 m=27 s=17
